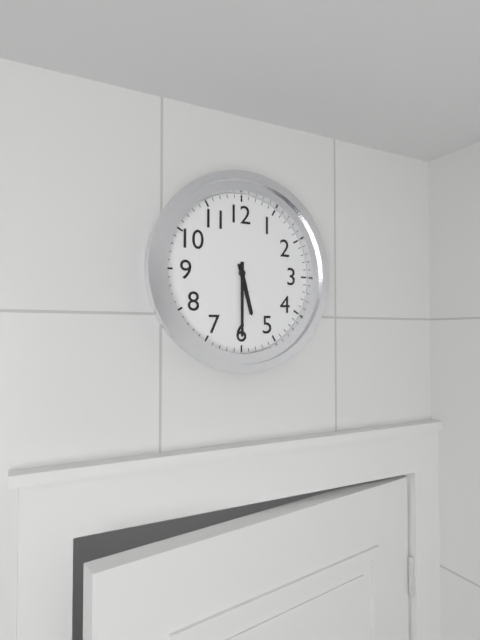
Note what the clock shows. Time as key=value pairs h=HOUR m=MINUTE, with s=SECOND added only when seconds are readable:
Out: h=5 m=30
